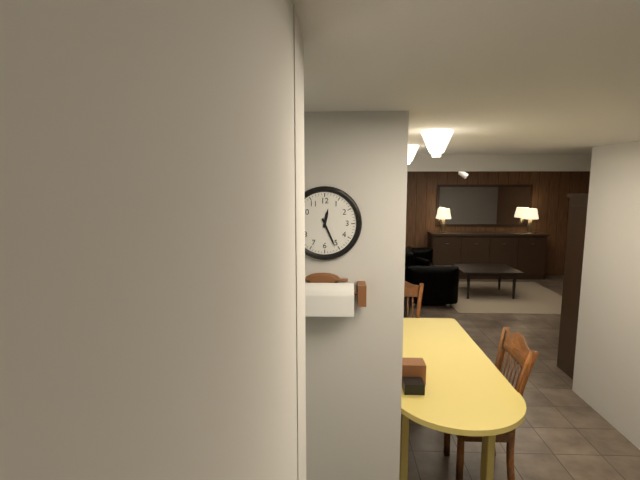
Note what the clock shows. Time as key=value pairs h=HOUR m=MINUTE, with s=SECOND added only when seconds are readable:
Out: h=12 m=26
